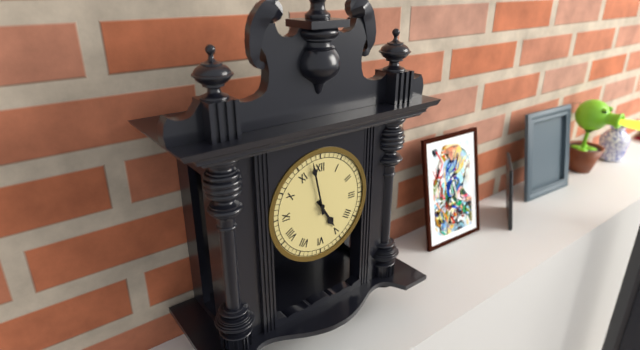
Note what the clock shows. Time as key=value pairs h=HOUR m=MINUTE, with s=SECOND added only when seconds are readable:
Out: h=4 m=58
